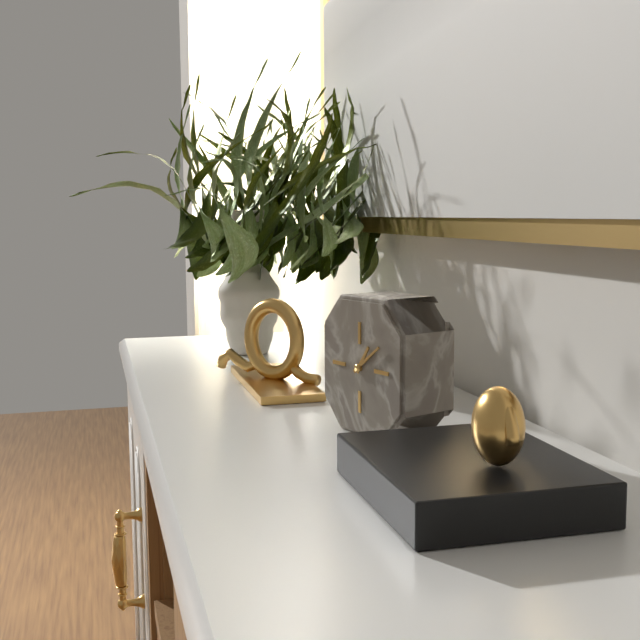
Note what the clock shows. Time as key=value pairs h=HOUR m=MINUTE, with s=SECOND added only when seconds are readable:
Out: h=1 m=9
